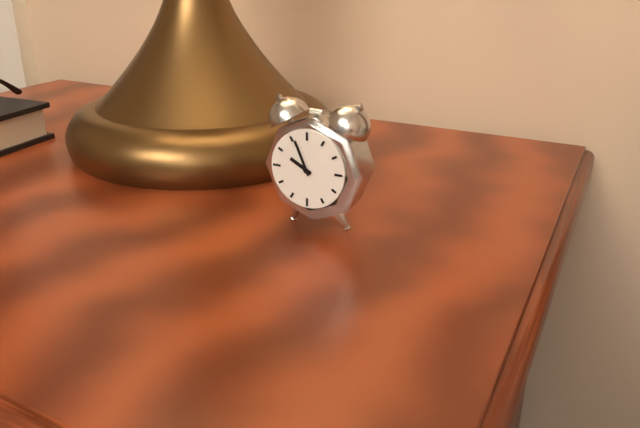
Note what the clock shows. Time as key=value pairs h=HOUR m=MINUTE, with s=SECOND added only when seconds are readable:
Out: h=9 m=56
